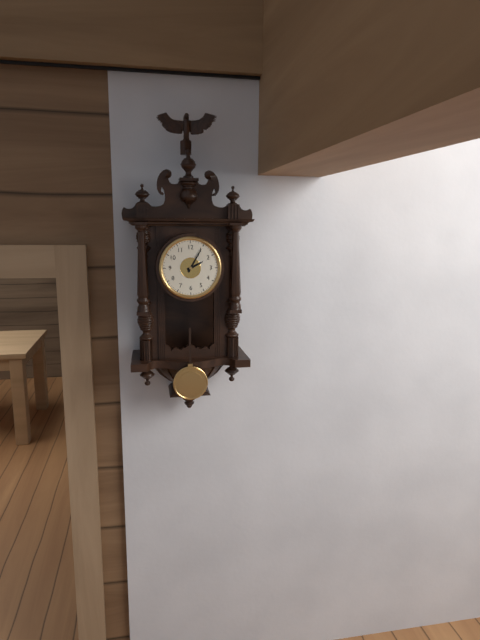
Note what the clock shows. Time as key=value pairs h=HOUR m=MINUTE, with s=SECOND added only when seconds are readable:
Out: h=2 m=5
